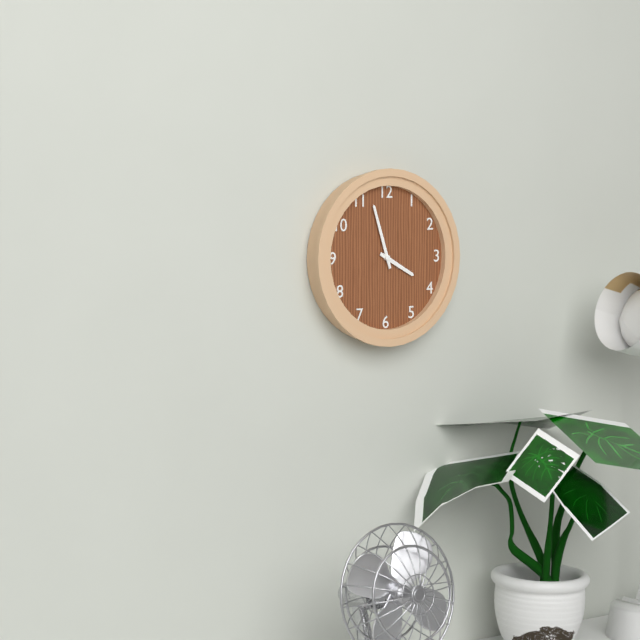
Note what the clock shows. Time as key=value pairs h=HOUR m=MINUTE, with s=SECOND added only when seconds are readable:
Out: h=3 m=57
